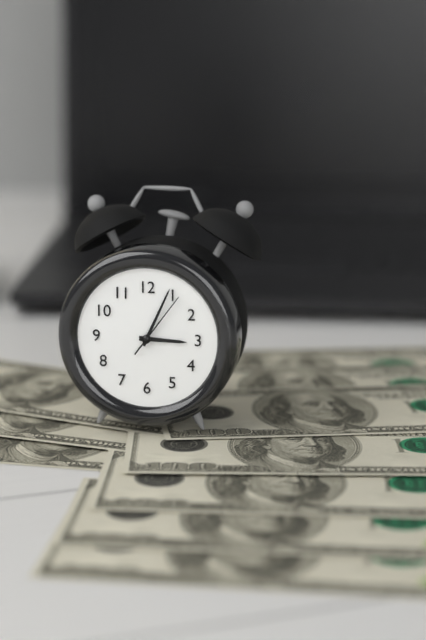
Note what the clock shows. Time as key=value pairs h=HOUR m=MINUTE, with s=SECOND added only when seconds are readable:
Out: h=3 m=4 s=6
